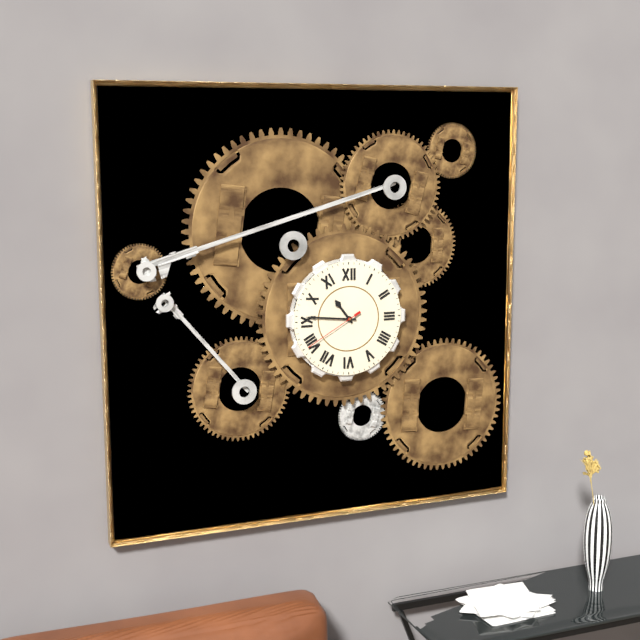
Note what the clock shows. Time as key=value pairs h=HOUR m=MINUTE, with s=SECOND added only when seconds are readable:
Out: h=10 m=46 s=40
